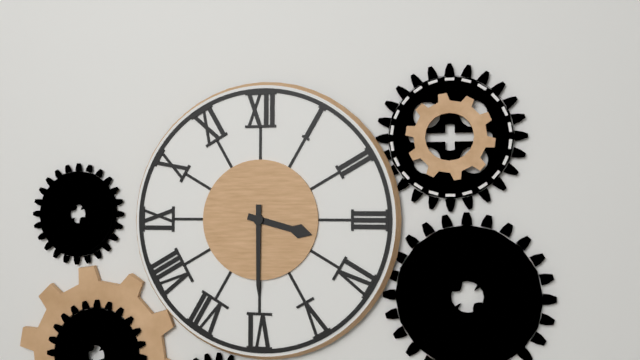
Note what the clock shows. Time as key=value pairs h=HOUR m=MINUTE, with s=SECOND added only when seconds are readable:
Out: h=3 m=30
